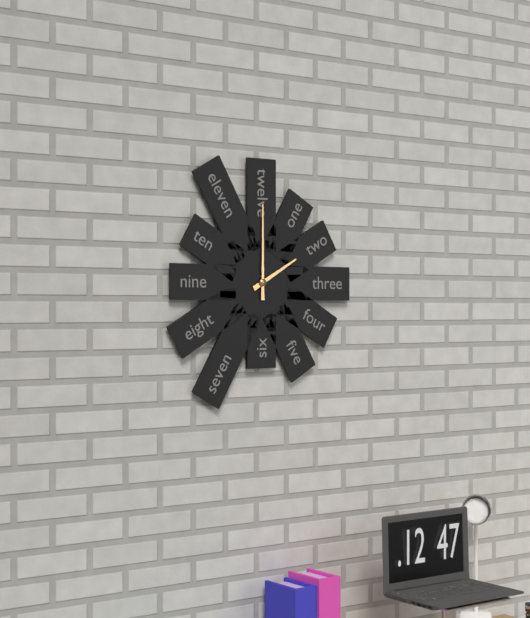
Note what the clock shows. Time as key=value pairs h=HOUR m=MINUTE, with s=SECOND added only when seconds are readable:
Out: h=2 m=0
